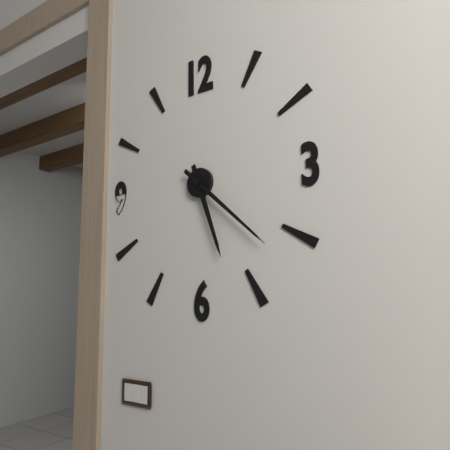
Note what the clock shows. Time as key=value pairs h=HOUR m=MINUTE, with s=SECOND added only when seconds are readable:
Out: h=5 m=22
